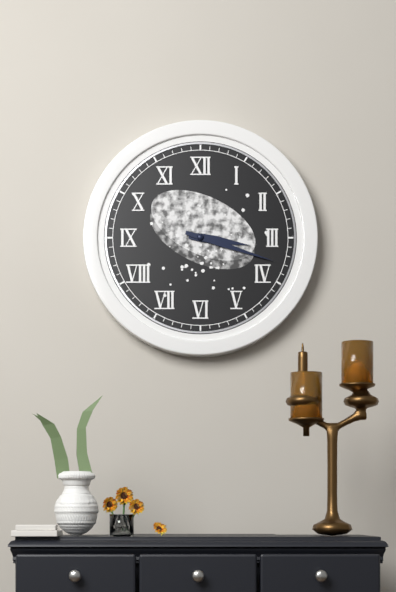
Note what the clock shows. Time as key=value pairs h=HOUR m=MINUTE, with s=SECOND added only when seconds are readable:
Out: h=3 m=18
